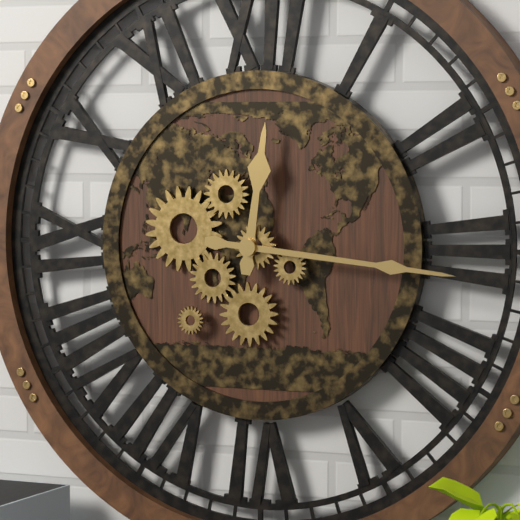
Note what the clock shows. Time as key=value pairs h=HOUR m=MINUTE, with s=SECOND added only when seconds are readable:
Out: h=12 m=16
